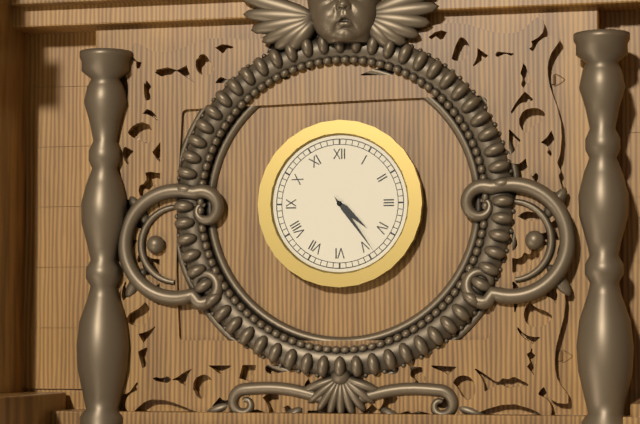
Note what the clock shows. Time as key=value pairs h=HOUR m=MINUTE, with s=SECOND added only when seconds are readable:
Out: h=4 m=24
